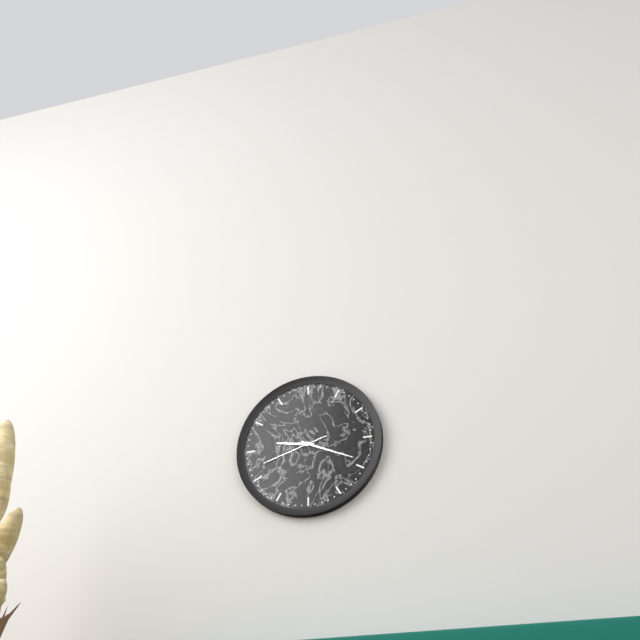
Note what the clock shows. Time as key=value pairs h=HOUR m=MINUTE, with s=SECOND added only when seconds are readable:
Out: h=9 m=19 s=42
